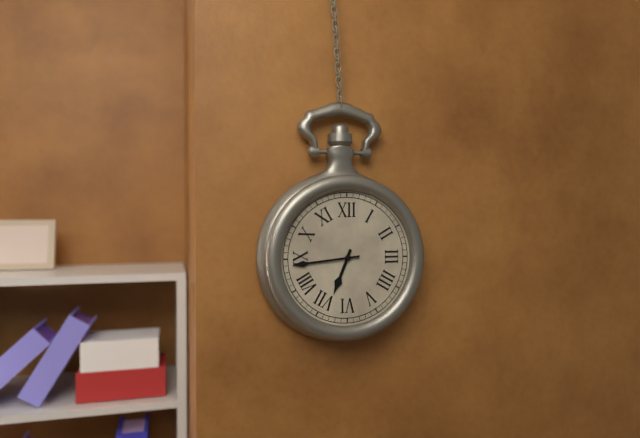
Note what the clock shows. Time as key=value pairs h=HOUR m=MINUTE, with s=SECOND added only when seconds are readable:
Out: h=6 m=44
